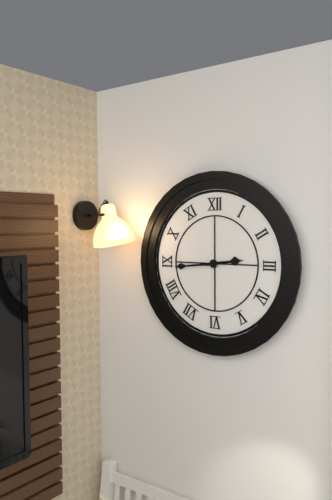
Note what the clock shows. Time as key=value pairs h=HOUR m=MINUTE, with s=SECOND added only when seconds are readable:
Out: h=2 m=44
